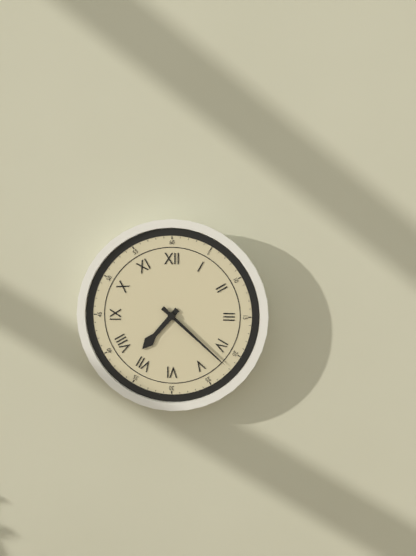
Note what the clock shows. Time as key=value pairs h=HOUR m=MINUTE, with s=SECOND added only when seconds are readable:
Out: h=7 m=22
